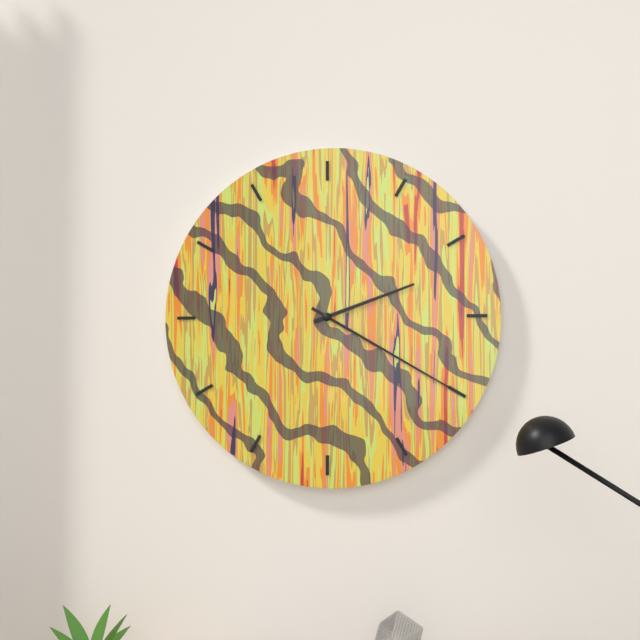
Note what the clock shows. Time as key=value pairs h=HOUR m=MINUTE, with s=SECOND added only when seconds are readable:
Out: h=2 m=20
